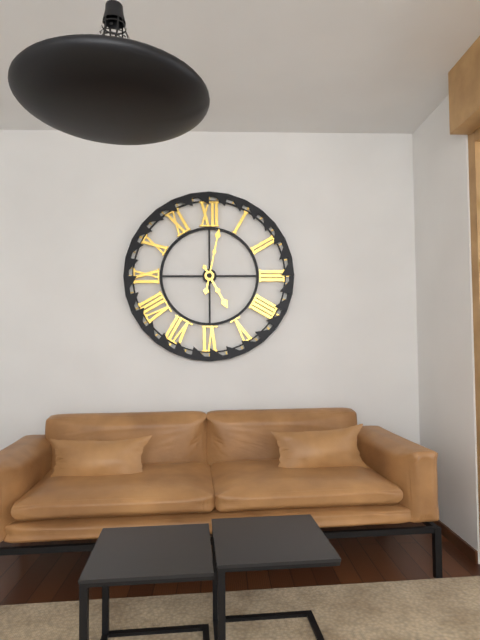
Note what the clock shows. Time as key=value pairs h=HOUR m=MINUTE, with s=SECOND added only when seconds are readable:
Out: h=5 m=2
